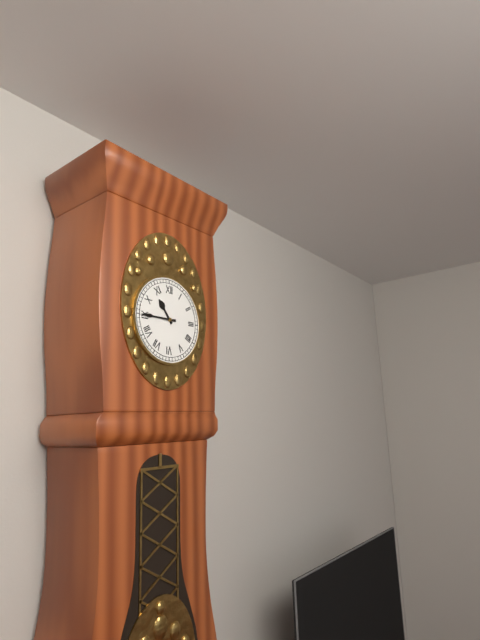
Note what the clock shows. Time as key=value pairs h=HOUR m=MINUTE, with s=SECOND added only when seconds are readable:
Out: h=10 m=45
